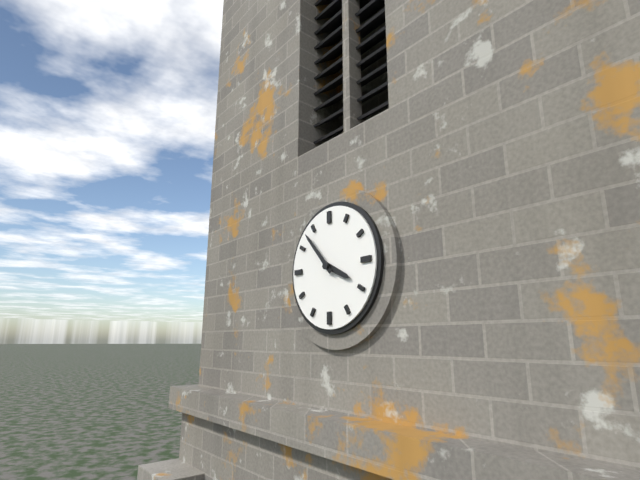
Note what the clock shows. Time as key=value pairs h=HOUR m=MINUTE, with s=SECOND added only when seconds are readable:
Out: h=3 m=53
